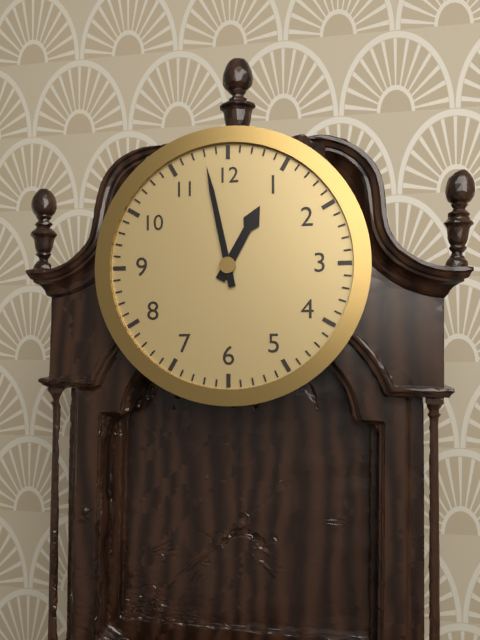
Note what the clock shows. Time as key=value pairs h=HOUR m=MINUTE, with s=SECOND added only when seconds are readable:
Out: h=12 m=58
